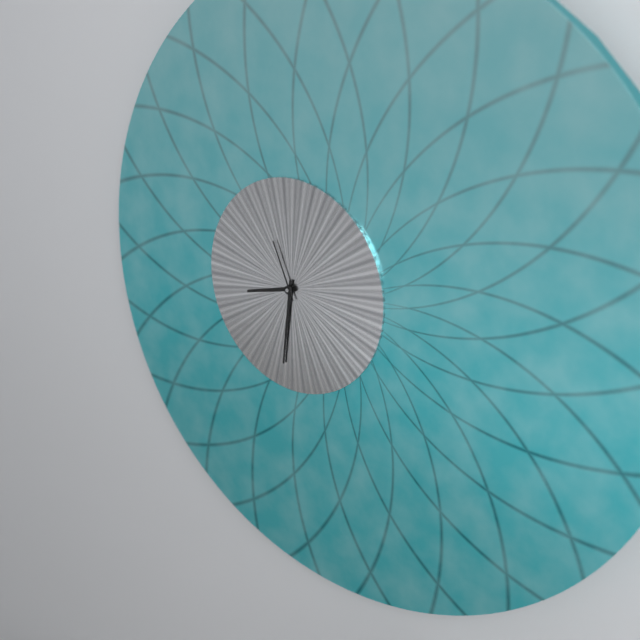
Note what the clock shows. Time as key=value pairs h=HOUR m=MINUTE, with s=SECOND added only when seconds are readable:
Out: h=8 m=31 s=56
